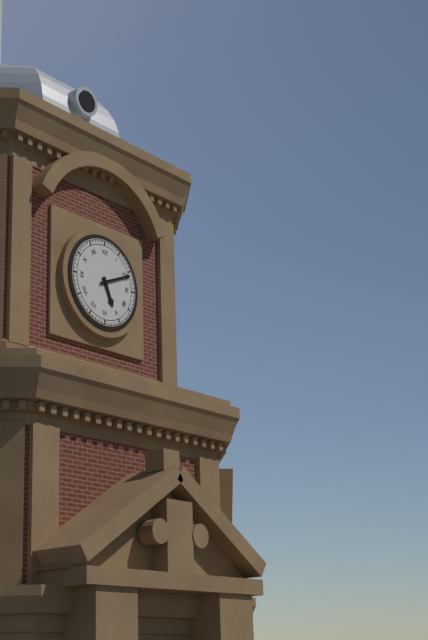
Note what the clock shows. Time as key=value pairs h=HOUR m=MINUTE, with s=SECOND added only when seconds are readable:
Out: h=5 m=11
